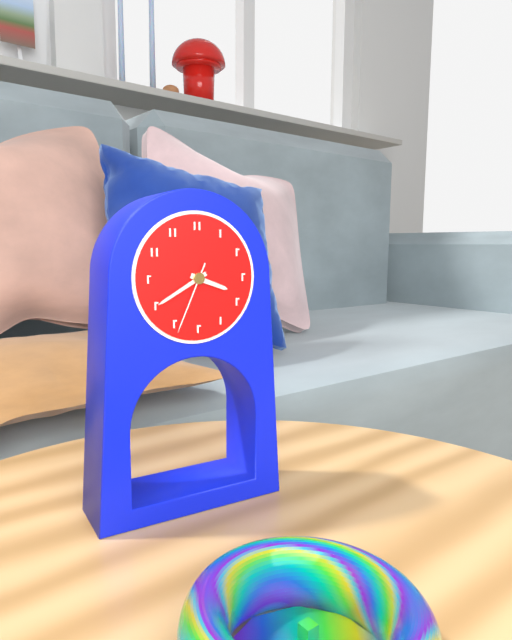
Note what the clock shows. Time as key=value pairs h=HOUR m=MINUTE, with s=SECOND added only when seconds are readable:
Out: h=3 m=40 s=34
